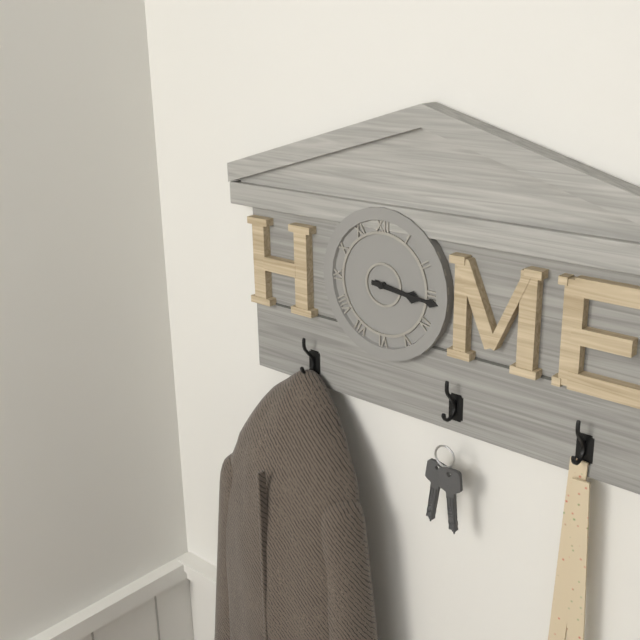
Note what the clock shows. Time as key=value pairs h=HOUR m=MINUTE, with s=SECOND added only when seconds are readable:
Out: h=3 m=16
